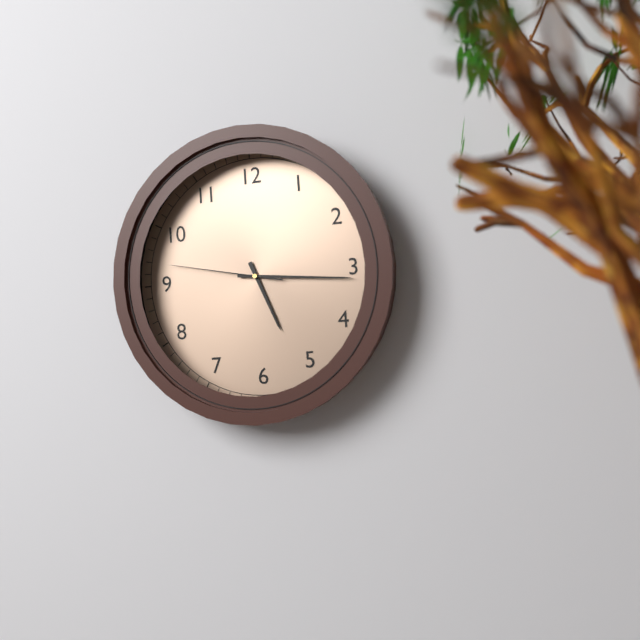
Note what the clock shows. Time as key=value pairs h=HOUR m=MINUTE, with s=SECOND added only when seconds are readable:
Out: h=5 m=16 s=47
